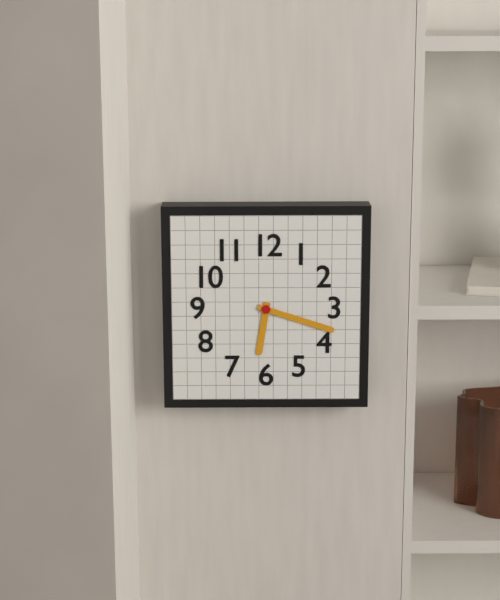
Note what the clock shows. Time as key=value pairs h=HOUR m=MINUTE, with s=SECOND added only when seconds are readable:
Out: h=6 m=18
